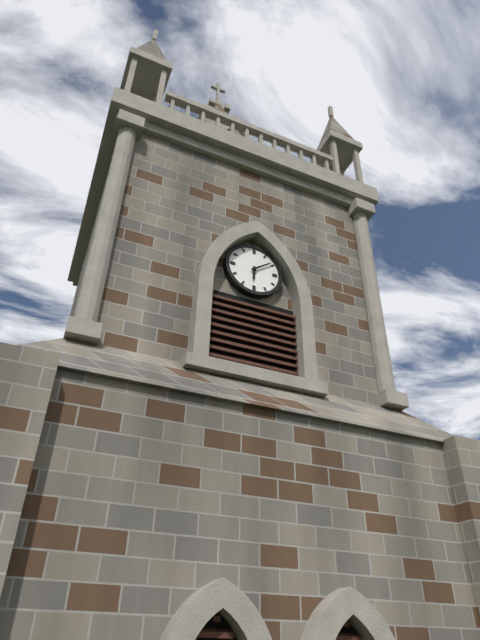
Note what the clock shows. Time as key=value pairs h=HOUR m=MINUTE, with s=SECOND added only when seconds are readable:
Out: h=6 m=9
